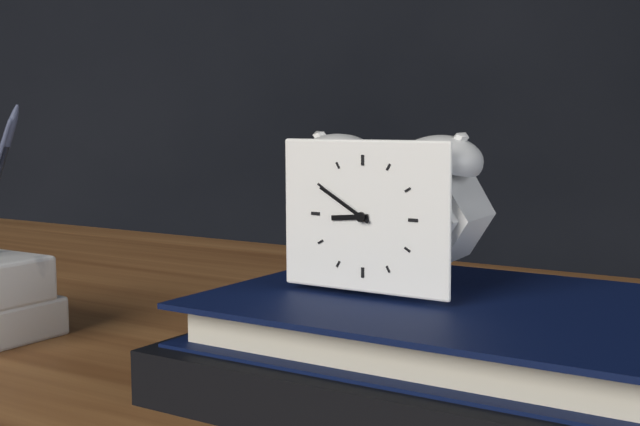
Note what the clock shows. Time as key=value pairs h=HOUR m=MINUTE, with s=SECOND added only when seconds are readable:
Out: h=8 m=50
